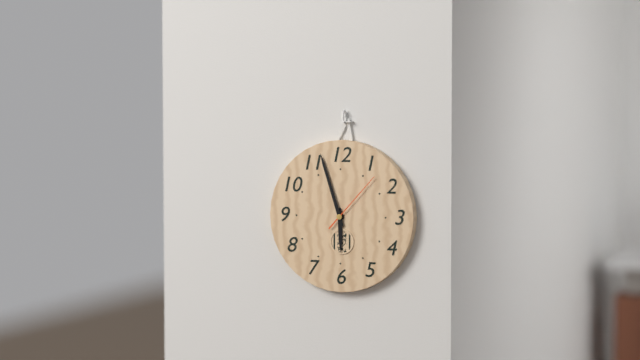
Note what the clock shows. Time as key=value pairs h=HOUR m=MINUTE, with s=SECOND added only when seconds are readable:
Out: h=5 m=57 s=7
